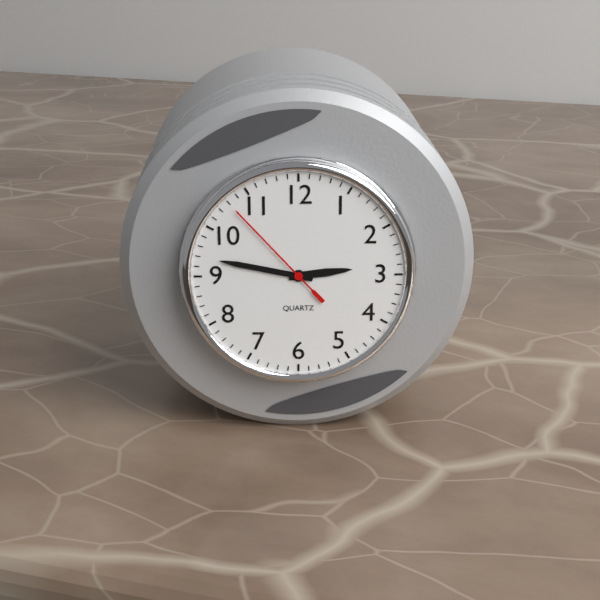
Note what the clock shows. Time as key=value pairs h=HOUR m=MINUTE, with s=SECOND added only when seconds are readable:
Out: h=2 m=47 s=53
